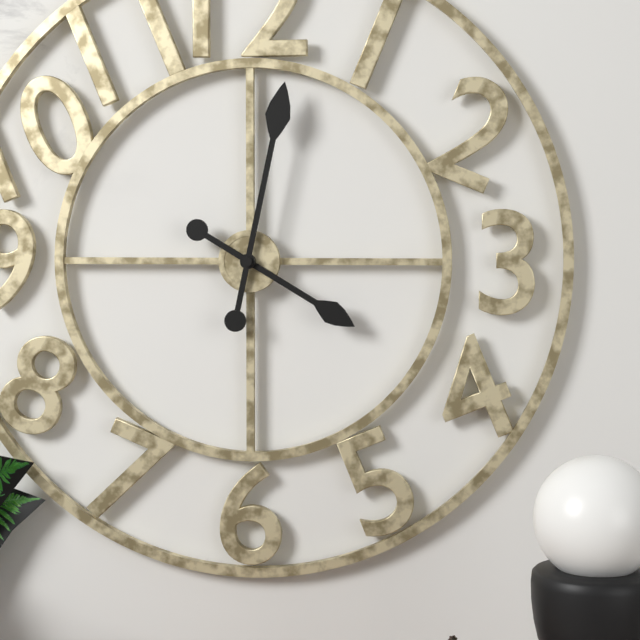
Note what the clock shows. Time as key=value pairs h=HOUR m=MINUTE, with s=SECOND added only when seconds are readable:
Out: h=4 m=2
